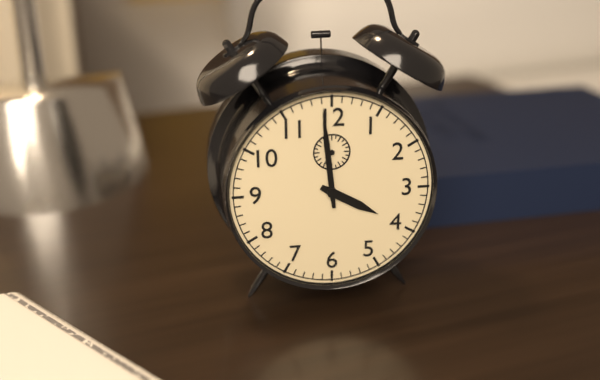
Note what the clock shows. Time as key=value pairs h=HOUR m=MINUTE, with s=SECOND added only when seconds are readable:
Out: h=3 m=59
